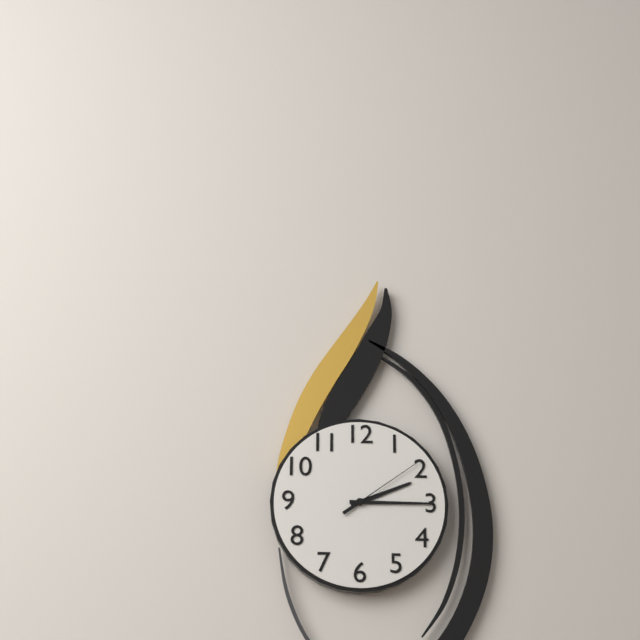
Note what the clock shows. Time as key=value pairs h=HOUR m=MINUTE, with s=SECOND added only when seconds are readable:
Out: h=2 m=15 s=9
